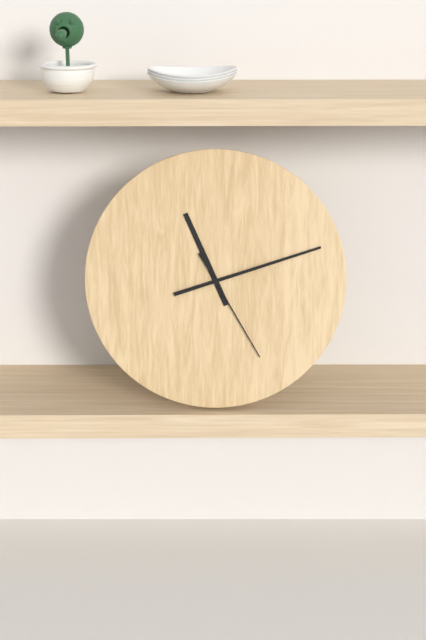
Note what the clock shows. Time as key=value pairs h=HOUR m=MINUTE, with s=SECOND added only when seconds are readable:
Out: h=11 m=12 s=25
